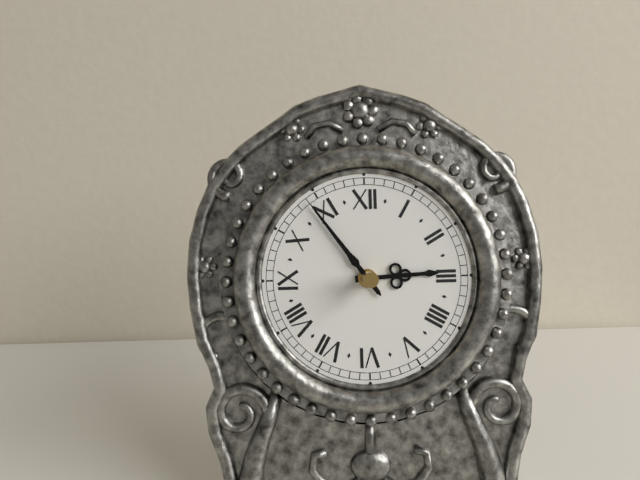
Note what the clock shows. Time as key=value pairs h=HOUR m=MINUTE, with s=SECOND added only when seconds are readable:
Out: h=2 m=54
